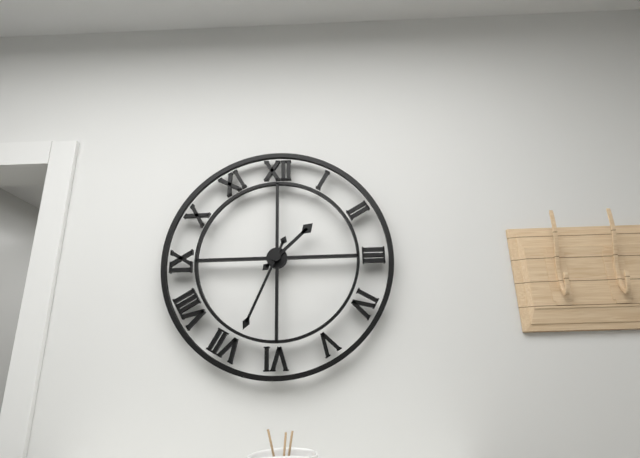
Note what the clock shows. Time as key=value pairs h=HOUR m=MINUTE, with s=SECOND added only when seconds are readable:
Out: h=1 m=34
